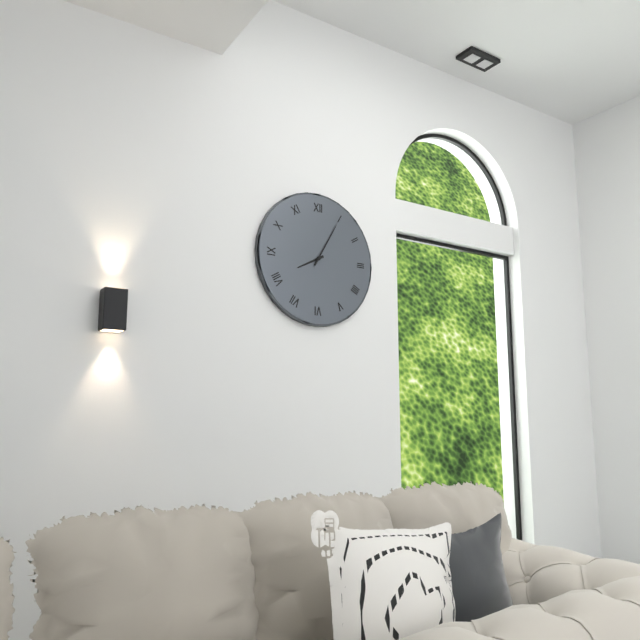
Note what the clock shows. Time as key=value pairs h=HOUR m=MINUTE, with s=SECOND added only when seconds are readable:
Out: h=8 m=5
